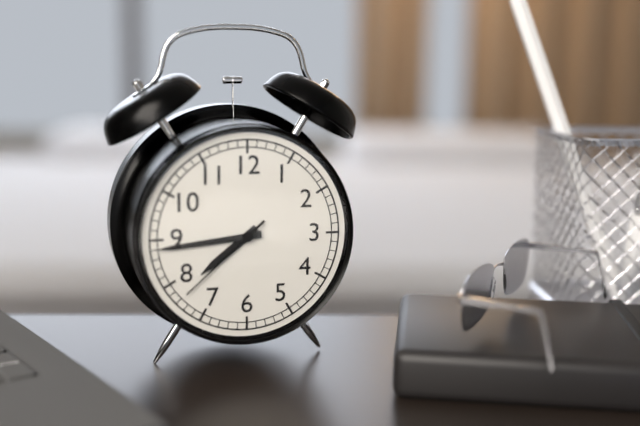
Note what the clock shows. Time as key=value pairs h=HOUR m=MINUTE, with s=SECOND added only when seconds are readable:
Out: h=7 m=44 s=38
